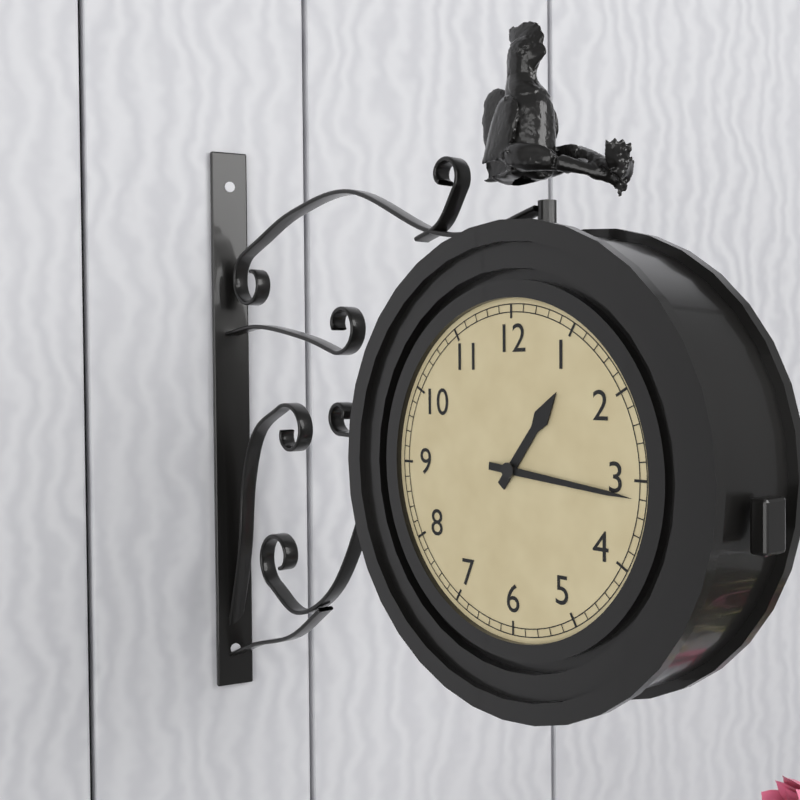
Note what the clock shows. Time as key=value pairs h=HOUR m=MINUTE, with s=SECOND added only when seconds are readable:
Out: h=1 m=16
